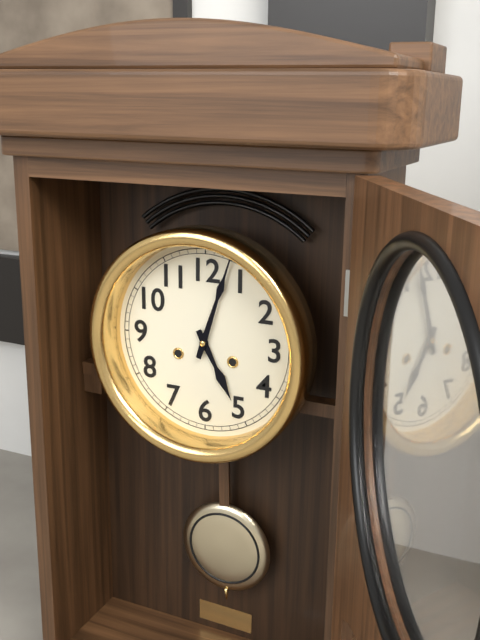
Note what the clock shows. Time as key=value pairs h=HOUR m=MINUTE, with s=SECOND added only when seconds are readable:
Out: h=5 m=3
